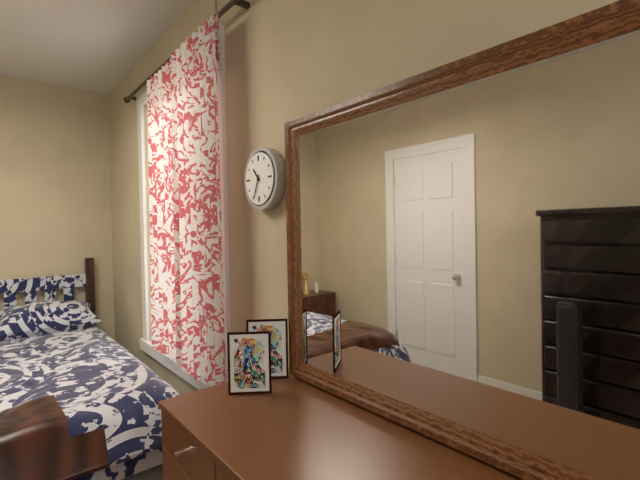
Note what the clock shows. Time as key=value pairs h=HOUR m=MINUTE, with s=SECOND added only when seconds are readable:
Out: h=10 m=34
